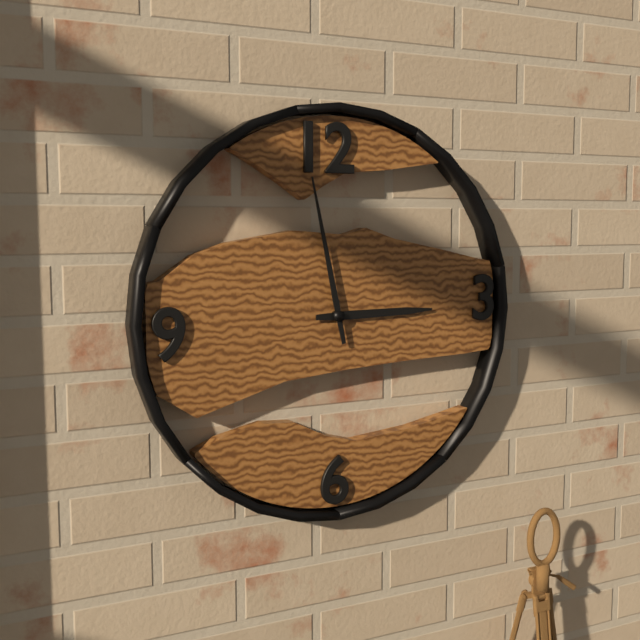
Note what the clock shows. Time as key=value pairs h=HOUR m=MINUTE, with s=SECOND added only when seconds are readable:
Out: h=2 m=58
